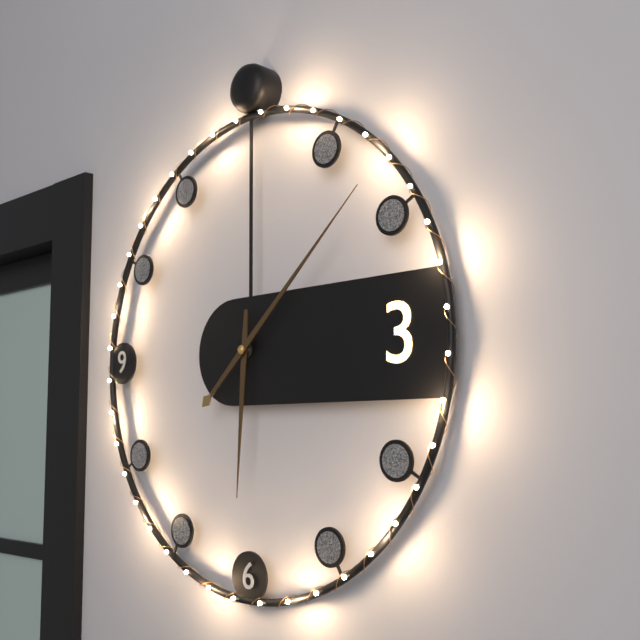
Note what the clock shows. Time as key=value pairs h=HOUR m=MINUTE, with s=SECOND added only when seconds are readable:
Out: h=6 m=8
